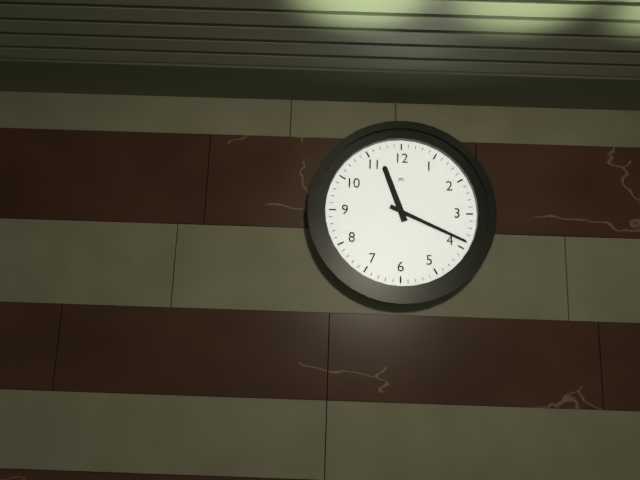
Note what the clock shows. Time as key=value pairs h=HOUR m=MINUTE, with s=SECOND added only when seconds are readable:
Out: h=11 m=19
